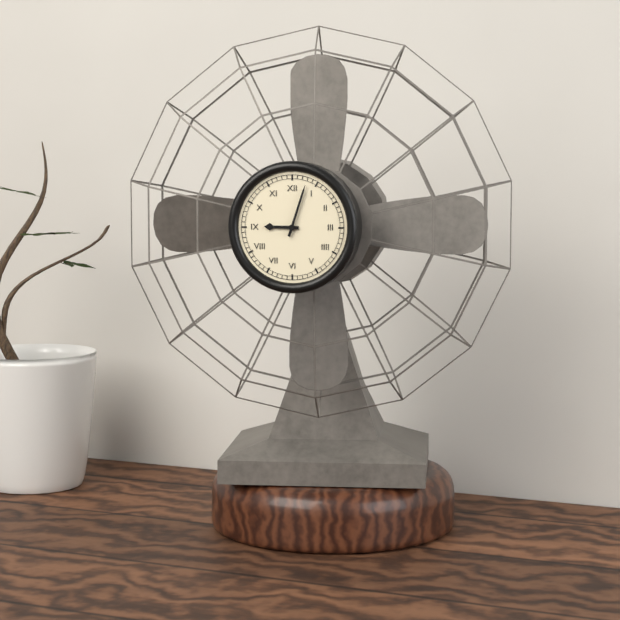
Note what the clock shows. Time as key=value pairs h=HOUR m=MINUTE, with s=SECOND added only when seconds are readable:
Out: h=9 m=3
